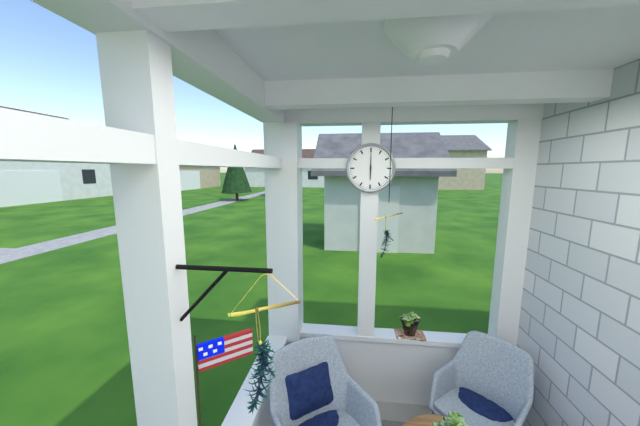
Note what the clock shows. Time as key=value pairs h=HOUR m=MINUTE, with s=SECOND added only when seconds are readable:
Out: h=6 m=0
